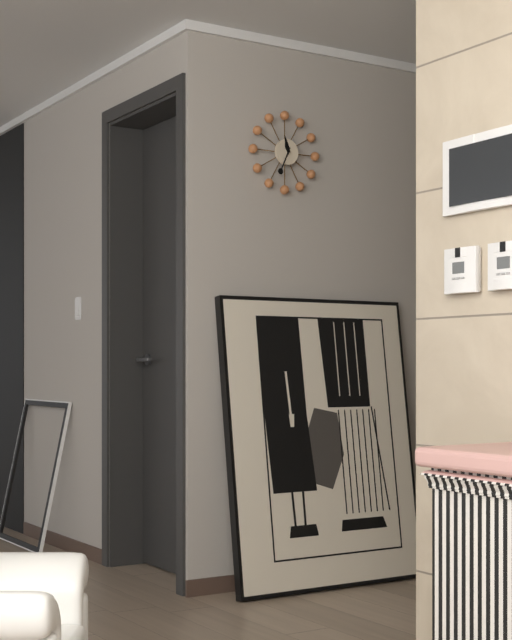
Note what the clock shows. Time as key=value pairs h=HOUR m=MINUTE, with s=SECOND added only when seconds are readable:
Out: h=11 m=34
